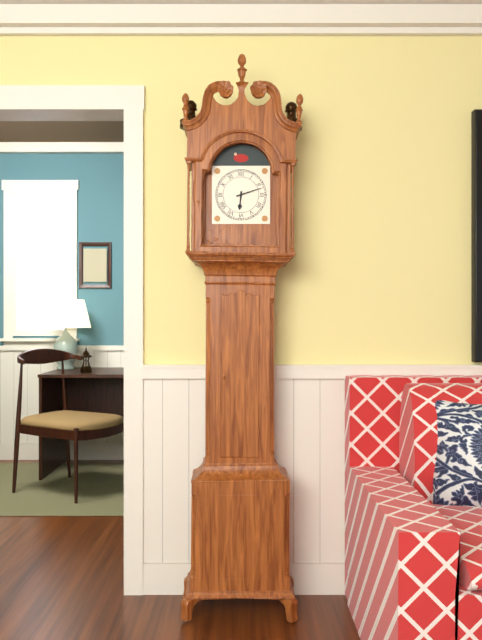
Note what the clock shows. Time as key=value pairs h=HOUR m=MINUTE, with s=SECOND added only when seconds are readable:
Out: h=6 m=12
